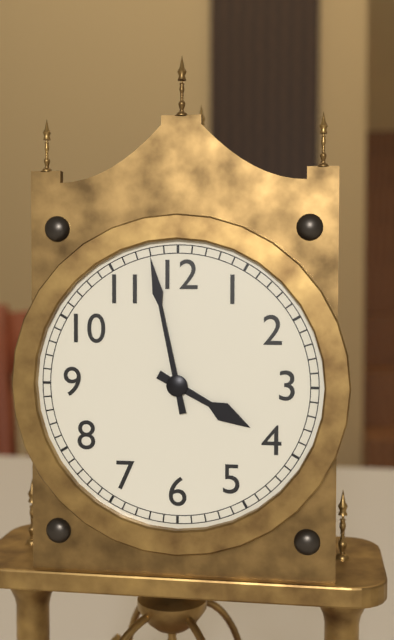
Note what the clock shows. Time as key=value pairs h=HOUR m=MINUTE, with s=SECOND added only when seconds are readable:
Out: h=3 m=58
